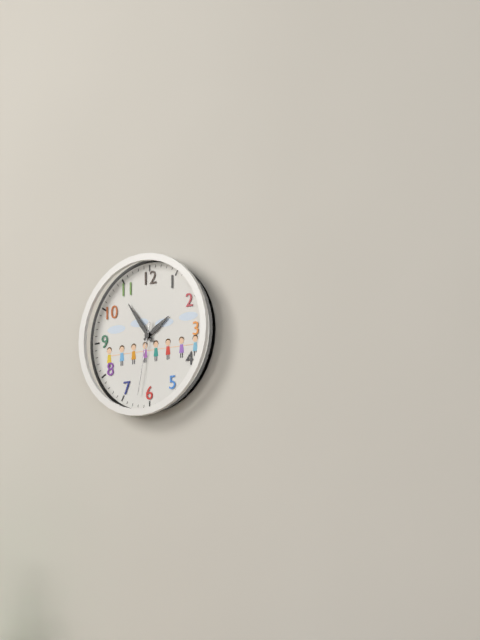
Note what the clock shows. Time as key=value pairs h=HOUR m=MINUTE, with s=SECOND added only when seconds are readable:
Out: h=1 m=54 s=32
